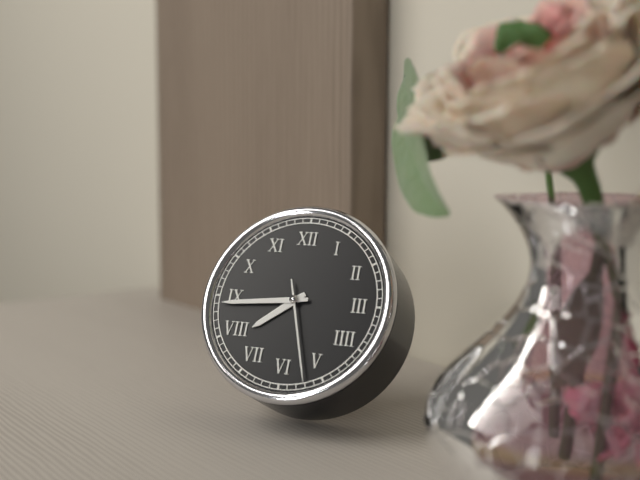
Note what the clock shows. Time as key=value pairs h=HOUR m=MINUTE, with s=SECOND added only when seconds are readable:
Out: h=7 m=44 s=27
